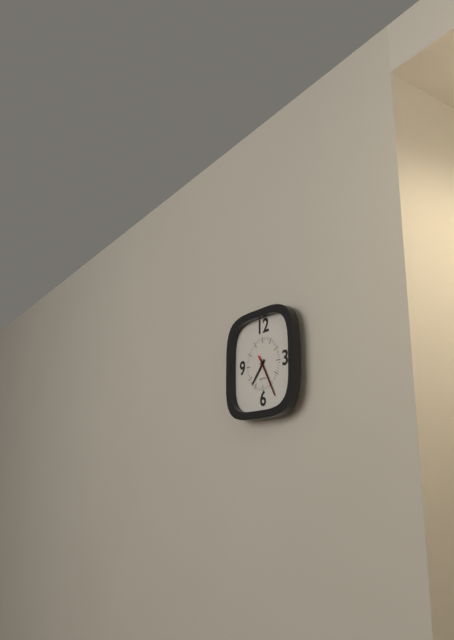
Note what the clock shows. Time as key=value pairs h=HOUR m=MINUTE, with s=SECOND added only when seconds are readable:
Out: h=7 m=25
